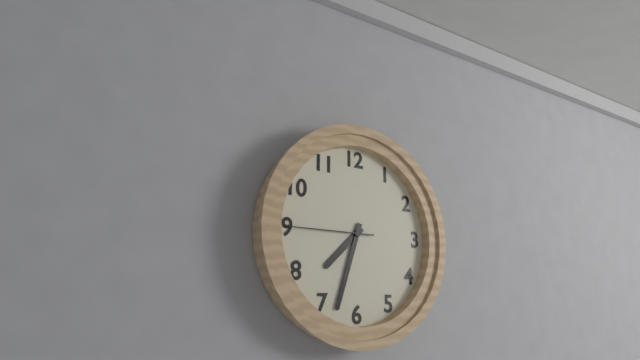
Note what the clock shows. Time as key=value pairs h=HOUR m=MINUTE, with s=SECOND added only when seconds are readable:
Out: h=7 m=33 s=45
